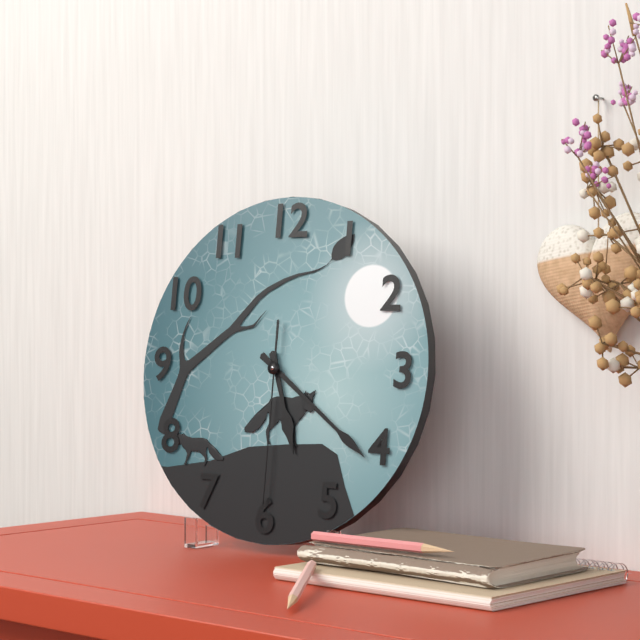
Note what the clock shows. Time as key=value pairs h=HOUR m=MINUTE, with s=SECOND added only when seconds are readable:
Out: h=5 m=21 s=30
